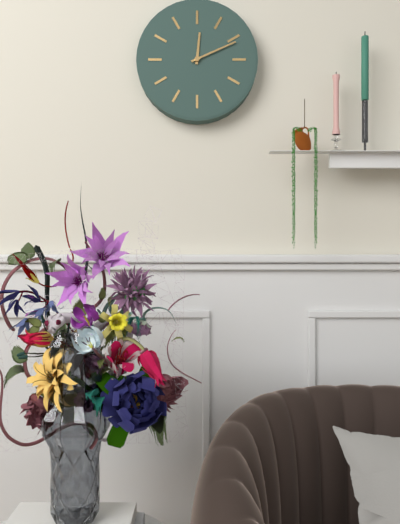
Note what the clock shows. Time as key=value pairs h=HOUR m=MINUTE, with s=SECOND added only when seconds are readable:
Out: h=12 m=11
